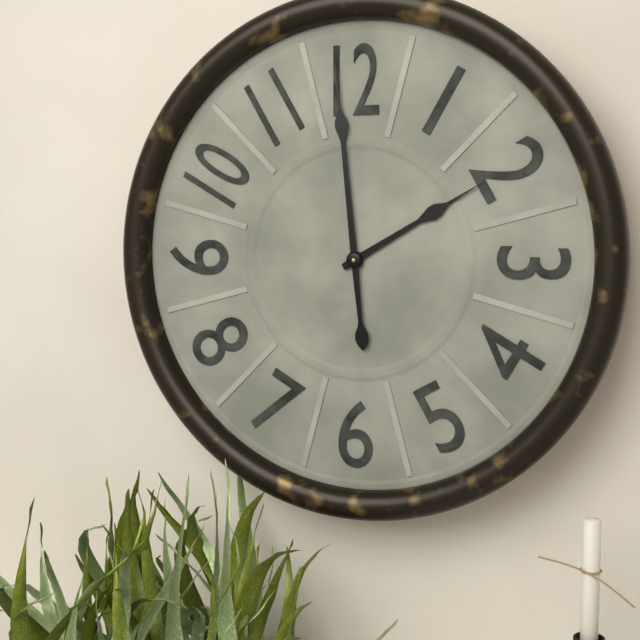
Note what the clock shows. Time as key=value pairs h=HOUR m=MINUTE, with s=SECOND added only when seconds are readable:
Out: h=1 m=59
